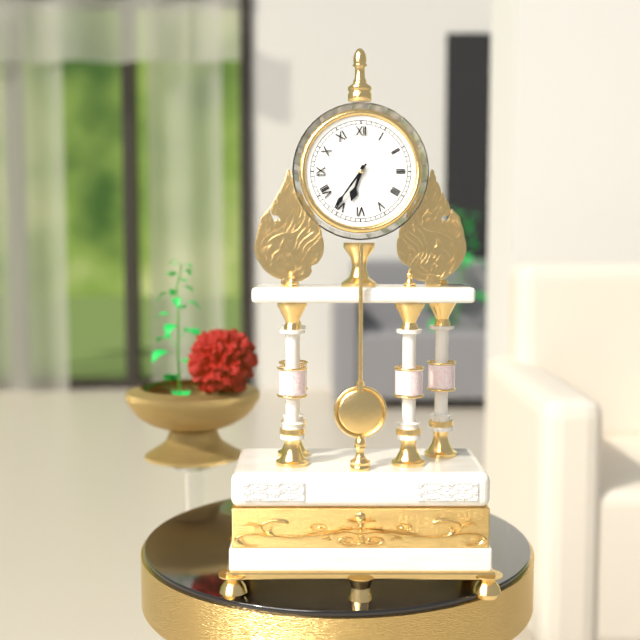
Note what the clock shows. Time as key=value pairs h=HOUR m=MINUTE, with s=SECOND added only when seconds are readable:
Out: h=6 m=36
